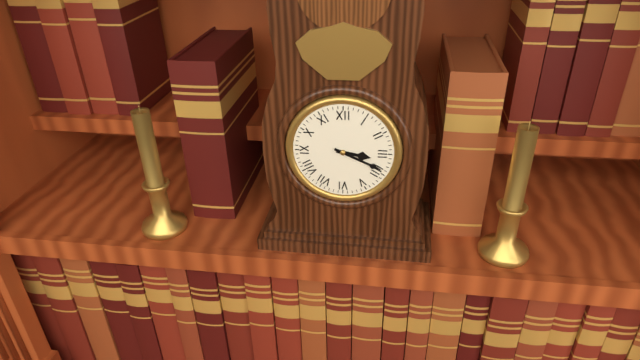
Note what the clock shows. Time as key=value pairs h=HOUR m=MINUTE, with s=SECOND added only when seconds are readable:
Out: h=3 m=19
